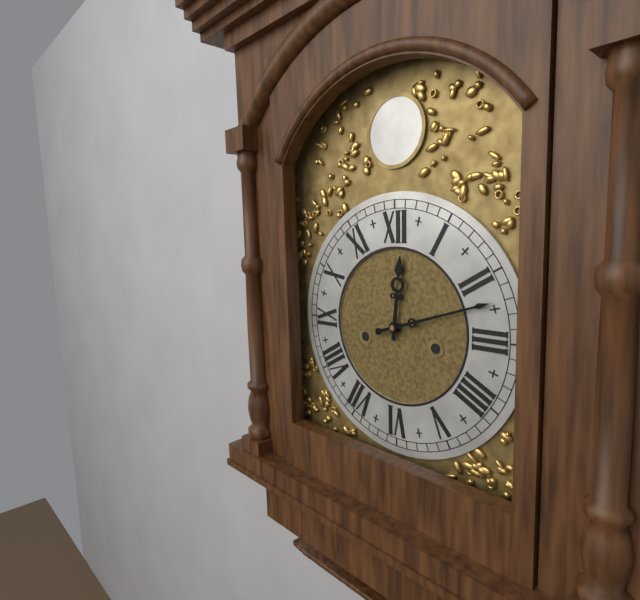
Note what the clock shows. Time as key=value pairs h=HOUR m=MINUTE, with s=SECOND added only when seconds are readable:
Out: h=12 m=12
